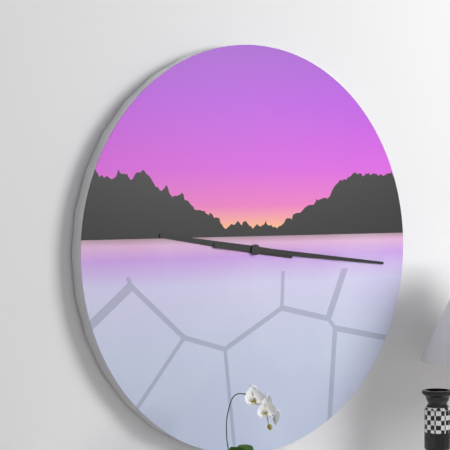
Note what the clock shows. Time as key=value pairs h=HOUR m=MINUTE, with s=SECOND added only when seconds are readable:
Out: h=9 m=16
